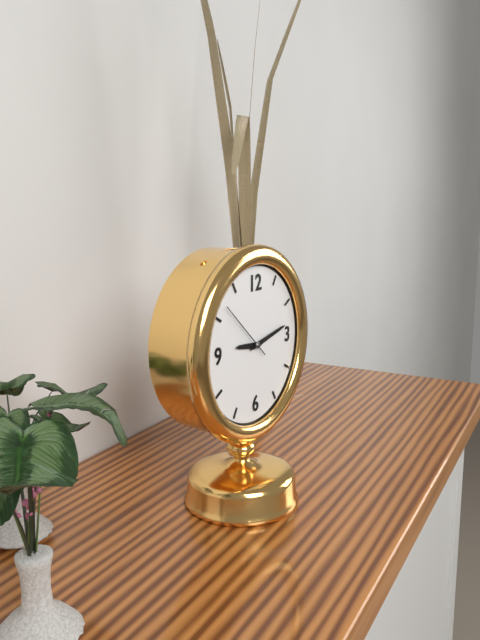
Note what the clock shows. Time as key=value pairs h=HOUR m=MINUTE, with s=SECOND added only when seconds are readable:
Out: h=9 m=13 s=52
